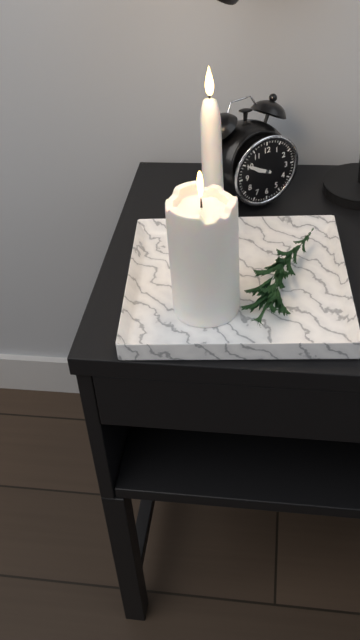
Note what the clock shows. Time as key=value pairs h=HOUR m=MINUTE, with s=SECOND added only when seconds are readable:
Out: h=9 m=50
